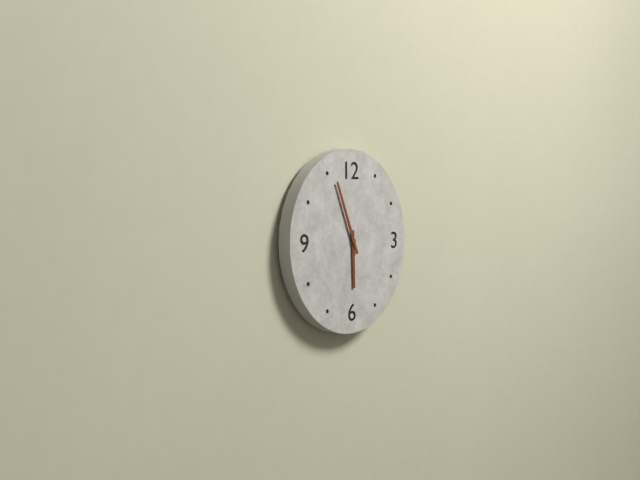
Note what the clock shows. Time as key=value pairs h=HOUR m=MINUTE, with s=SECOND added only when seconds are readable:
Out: h=5 m=56
